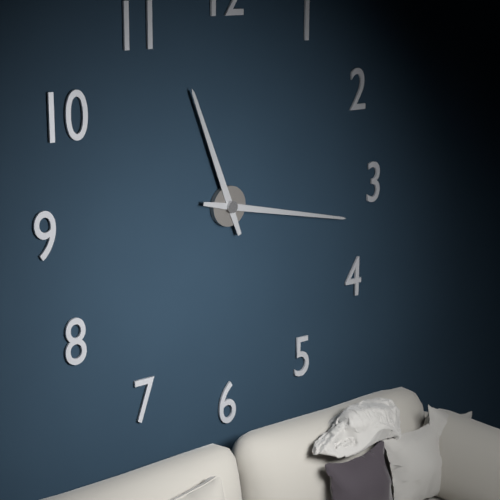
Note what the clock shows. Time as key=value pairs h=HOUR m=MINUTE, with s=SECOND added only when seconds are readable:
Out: h=11 m=17
